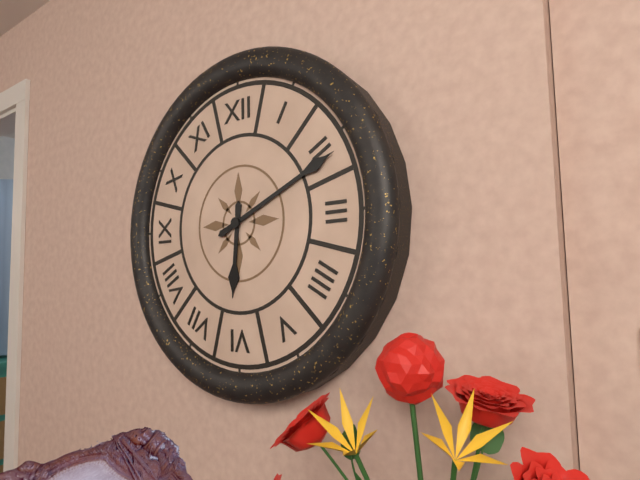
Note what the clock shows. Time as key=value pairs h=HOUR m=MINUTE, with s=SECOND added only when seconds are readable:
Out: h=6 m=11
